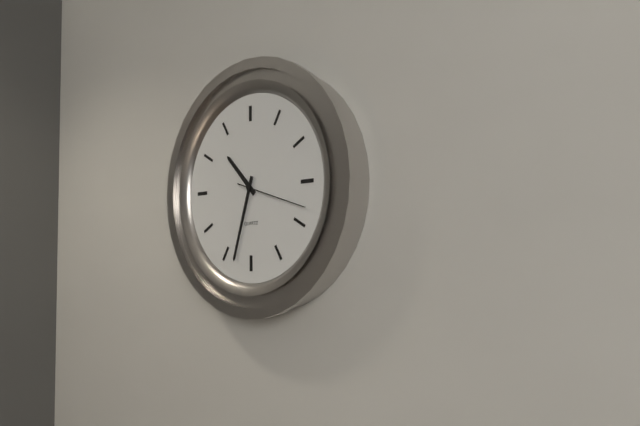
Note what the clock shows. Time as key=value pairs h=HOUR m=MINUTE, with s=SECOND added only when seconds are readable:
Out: h=10 m=33 s=18
